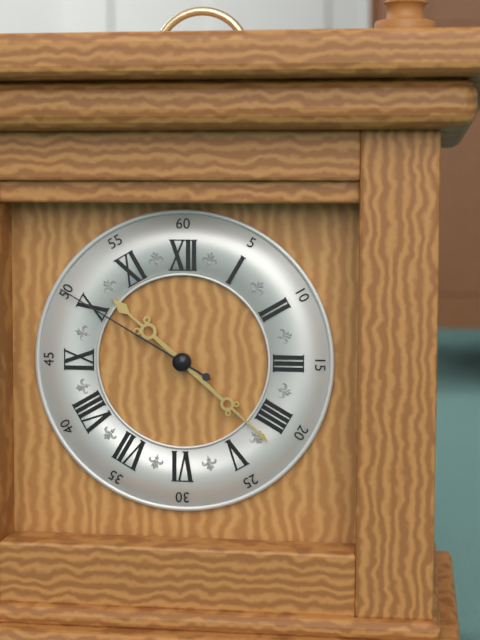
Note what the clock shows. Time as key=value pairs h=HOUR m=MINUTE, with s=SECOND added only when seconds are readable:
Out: h=10 m=22 s=50
